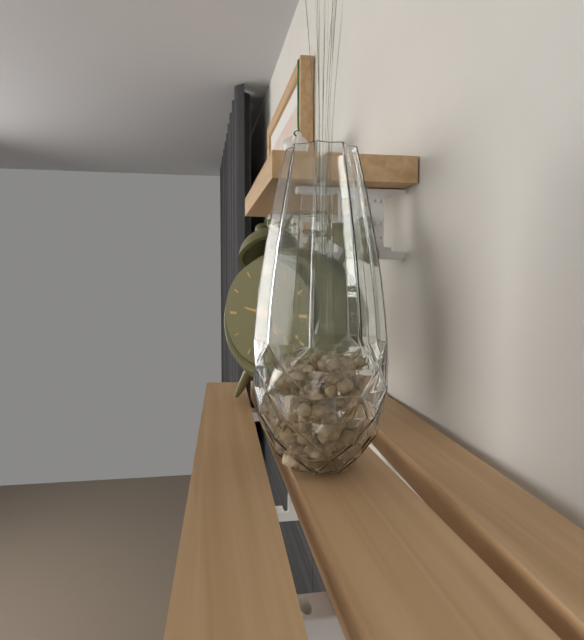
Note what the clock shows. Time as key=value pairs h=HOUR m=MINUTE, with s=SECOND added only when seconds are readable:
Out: h=9 m=24 s=22
